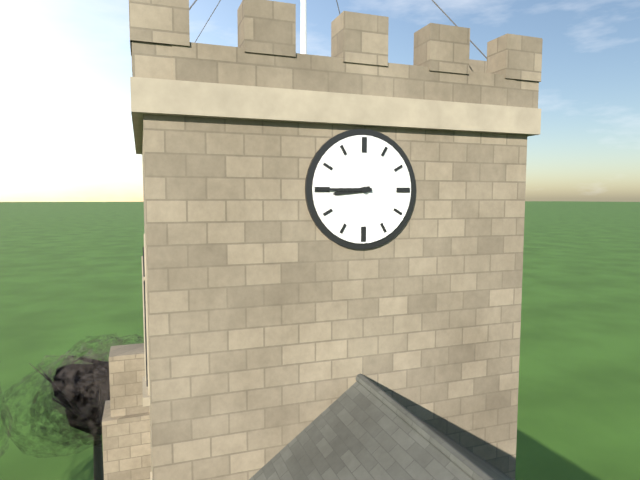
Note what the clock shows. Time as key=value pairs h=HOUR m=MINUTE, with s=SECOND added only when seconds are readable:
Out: h=8 m=45
